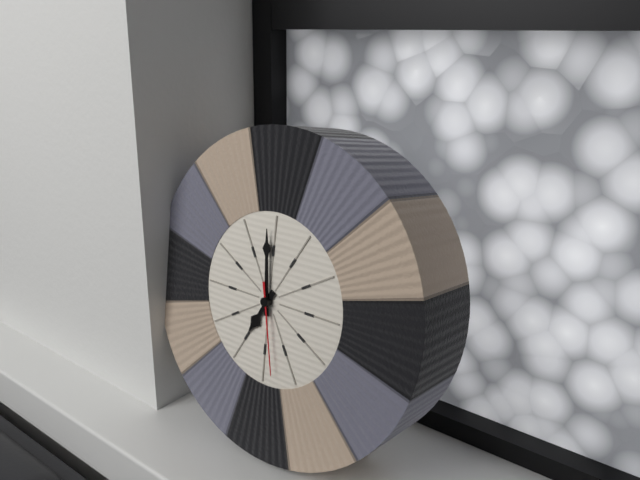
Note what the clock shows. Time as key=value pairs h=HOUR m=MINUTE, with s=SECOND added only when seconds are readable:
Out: h=6 m=59 s=28
